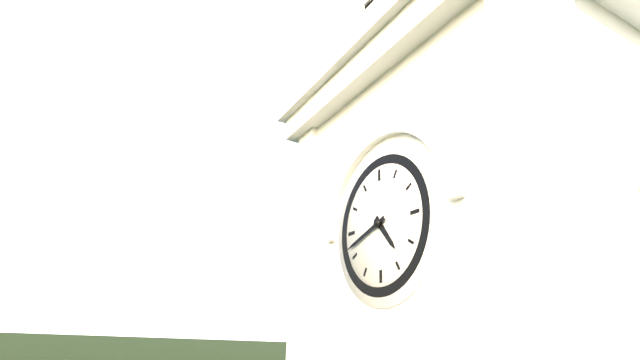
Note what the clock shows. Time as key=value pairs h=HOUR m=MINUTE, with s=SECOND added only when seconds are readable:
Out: h=4 m=42
